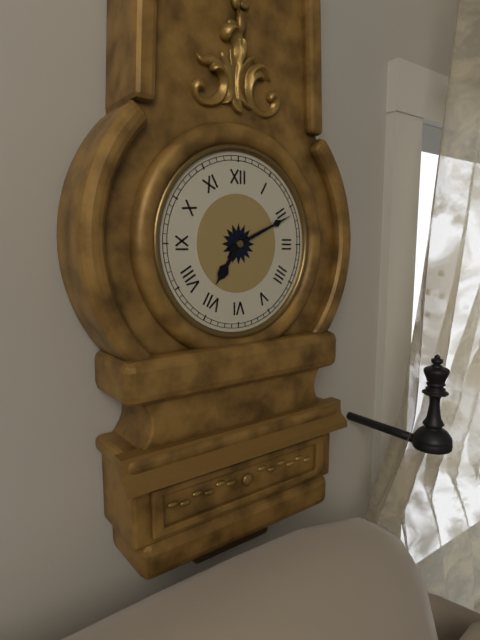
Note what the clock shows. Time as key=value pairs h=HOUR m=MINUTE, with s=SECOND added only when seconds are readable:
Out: h=7 m=11
